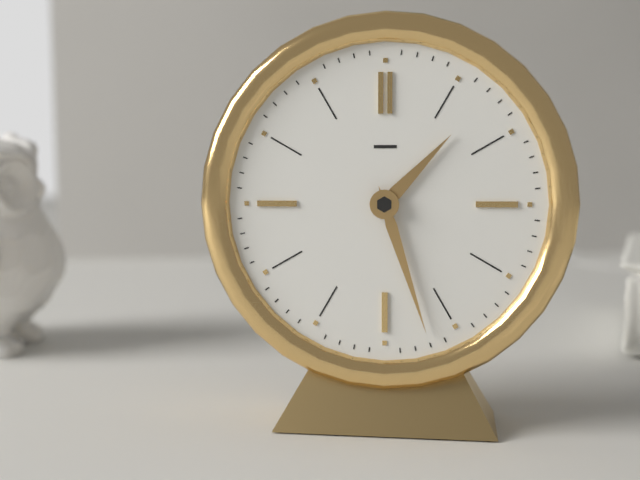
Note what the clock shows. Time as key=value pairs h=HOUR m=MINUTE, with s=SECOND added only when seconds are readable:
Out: h=1 m=27
